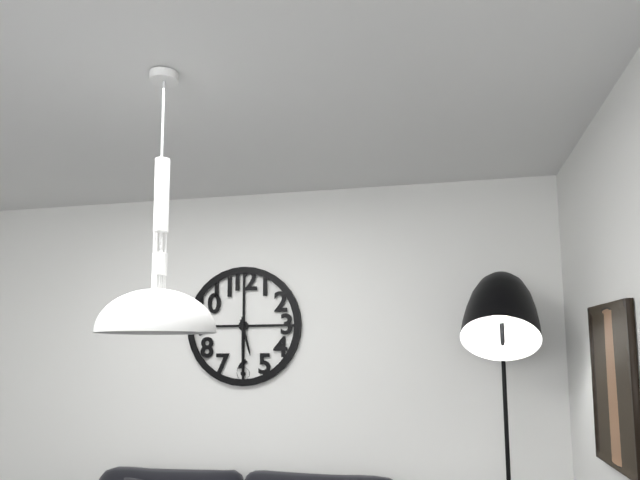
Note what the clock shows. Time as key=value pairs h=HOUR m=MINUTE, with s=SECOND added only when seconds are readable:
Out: h=5 m=30
